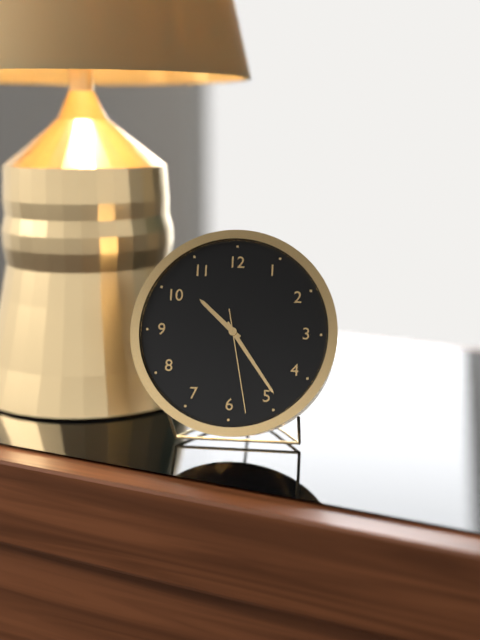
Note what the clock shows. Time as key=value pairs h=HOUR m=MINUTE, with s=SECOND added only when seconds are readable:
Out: h=10 m=24 s=28
